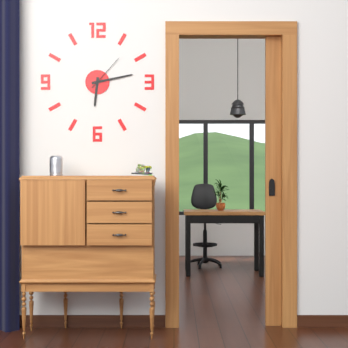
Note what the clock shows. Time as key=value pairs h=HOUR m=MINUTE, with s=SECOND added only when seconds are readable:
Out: h=6 m=13
